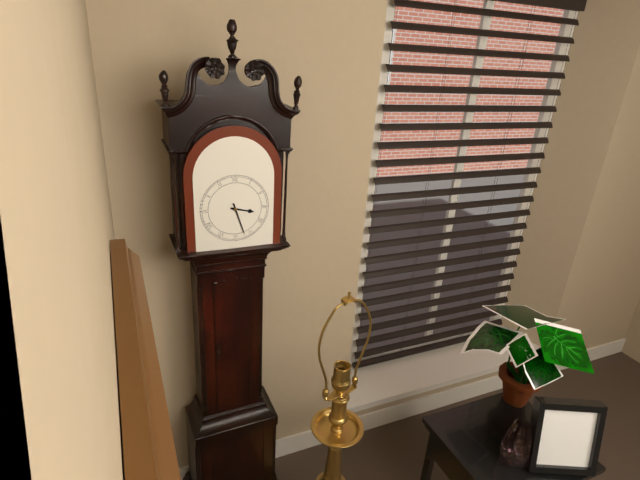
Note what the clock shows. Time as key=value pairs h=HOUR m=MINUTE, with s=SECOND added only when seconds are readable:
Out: h=3 m=27
